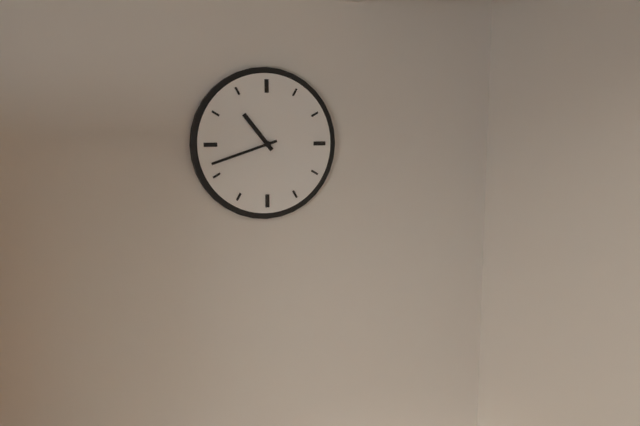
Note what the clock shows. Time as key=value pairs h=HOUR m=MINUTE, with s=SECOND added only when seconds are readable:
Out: h=10 m=42
